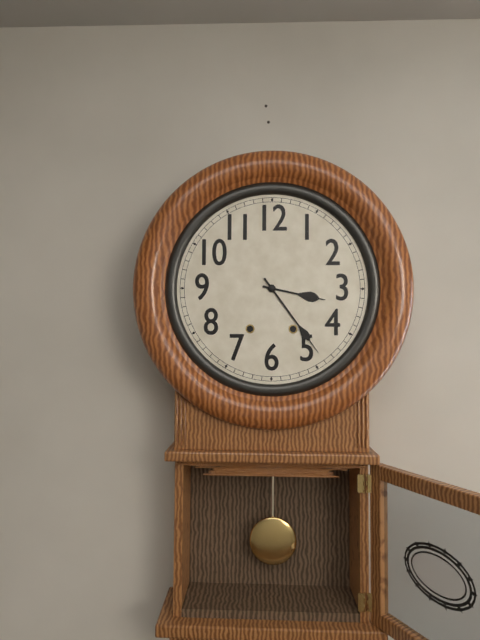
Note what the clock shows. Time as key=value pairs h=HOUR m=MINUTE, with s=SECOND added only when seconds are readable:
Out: h=3 m=24
